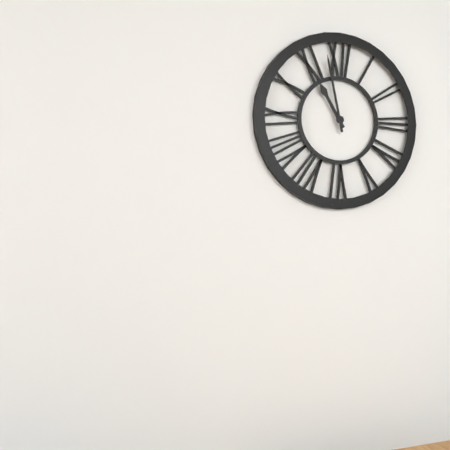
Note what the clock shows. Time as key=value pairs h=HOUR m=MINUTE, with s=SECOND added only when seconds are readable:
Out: h=10 m=58
